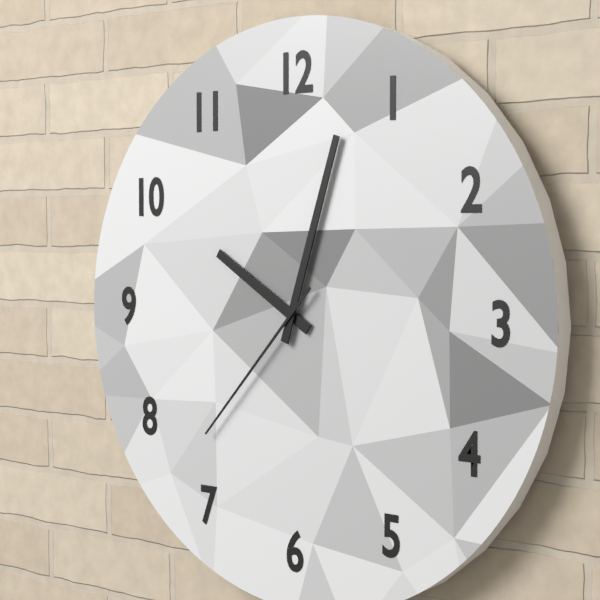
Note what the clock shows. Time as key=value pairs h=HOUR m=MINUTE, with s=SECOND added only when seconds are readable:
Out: h=10 m=3 s=37
